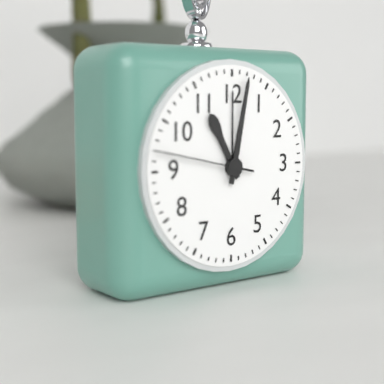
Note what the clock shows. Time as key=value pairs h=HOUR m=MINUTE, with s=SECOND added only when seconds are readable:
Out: h=11 m=2 s=47
